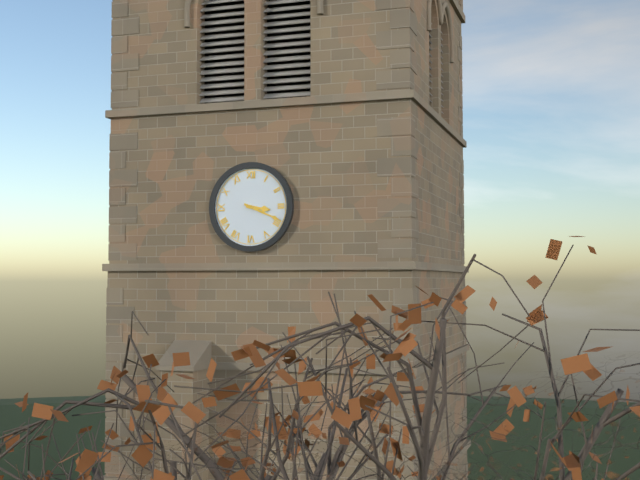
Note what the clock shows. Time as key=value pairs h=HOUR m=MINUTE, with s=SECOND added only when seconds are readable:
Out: h=3 m=19
